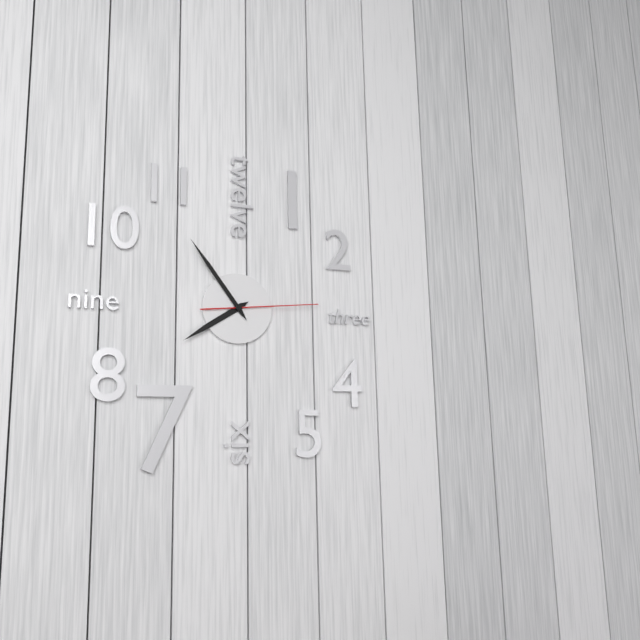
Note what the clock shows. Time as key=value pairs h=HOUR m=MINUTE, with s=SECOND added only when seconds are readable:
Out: h=7 m=54 s=14
